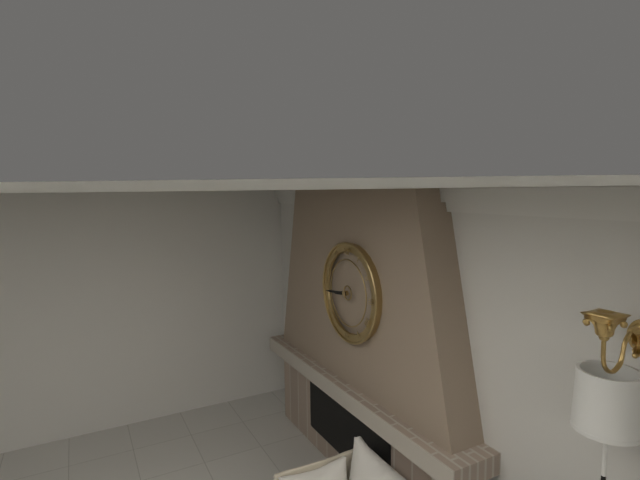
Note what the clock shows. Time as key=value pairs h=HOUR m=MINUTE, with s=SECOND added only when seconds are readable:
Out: h=8 m=44
